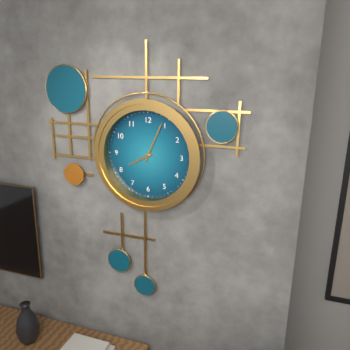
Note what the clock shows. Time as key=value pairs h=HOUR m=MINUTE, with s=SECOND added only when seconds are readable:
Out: h=8 m=4
